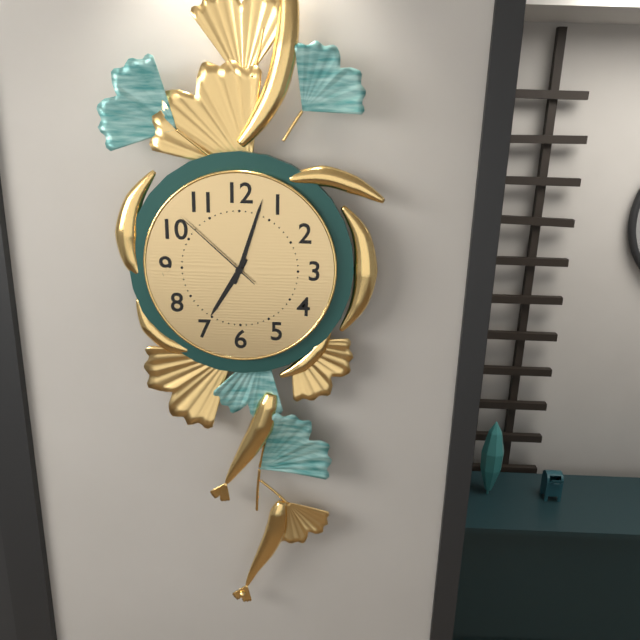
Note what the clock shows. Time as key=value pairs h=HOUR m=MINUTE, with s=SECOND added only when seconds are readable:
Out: h=7 m=3 s=52
